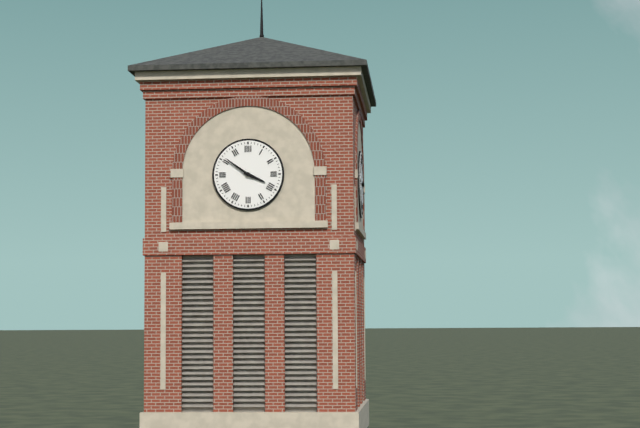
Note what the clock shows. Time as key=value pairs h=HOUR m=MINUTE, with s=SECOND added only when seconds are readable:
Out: h=3 m=51
